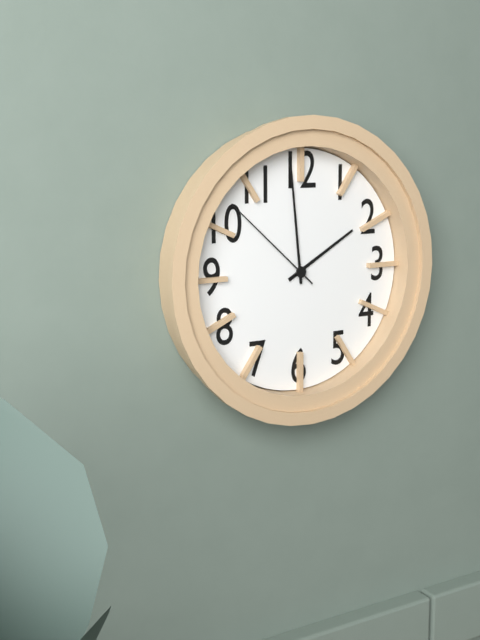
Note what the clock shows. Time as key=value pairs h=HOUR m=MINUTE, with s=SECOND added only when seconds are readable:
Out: h=1 m=59 s=52
